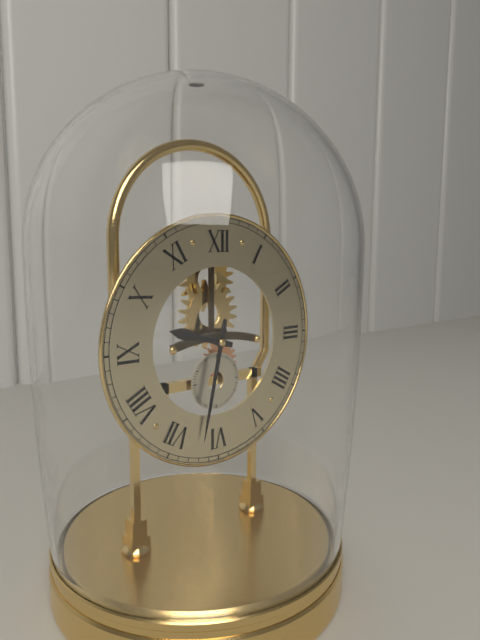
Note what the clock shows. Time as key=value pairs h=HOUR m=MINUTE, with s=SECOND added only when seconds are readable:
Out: h=9 m=32
